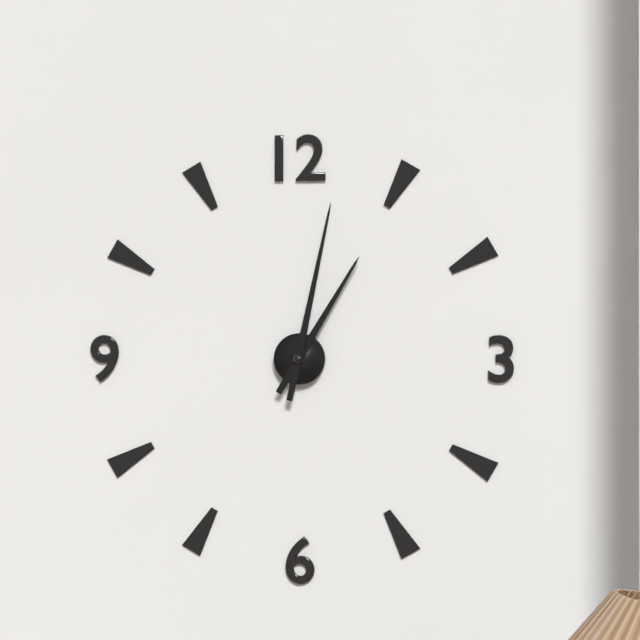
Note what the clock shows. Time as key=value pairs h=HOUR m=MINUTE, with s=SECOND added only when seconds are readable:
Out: h=1 m=2
